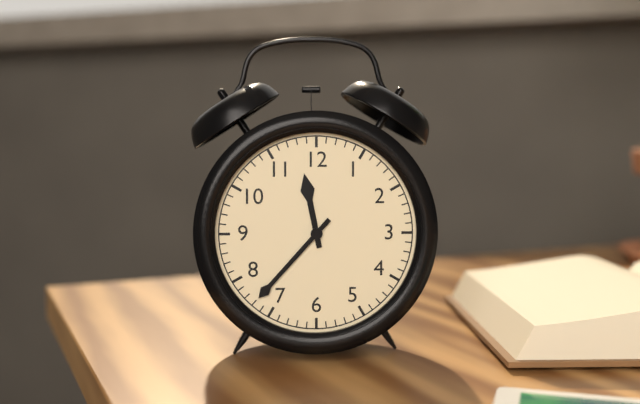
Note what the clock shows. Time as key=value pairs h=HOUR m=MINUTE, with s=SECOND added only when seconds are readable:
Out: h=11 m=37
